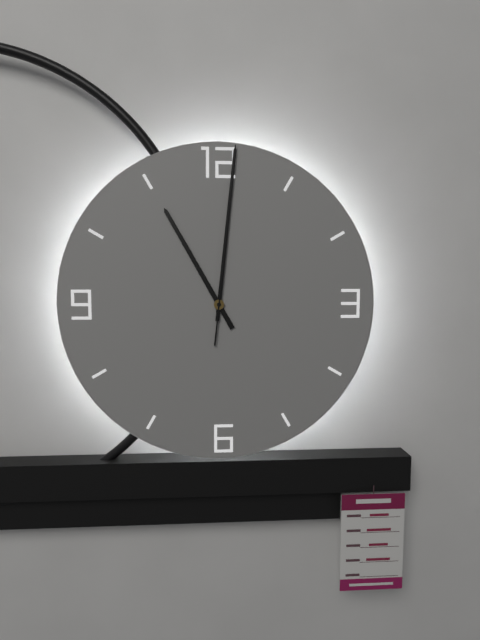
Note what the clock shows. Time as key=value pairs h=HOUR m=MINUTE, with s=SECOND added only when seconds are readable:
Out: h=11 m=1 s=1
